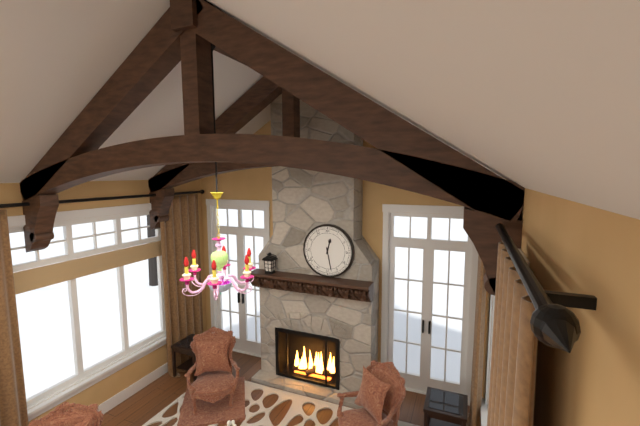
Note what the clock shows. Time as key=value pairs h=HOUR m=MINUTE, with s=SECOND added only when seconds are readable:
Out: h=12 m=28
